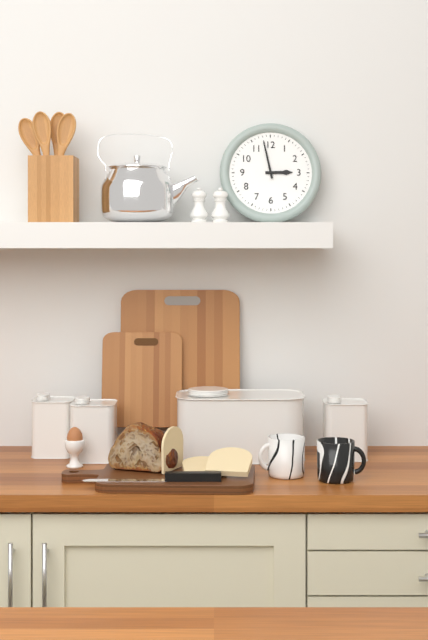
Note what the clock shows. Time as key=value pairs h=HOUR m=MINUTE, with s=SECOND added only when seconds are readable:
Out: h=2 m=58
